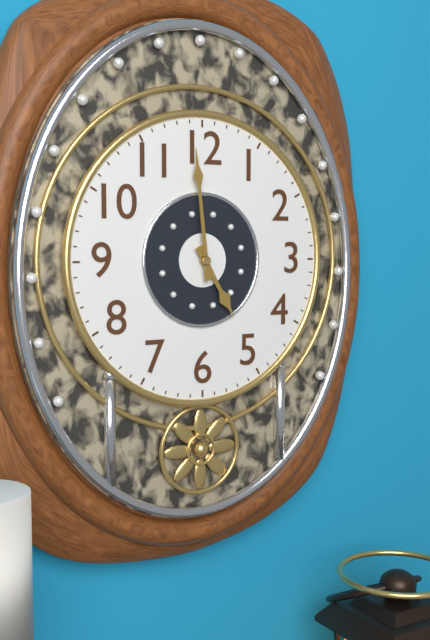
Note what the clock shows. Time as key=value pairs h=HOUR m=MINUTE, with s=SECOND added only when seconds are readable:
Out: h=4 m=59
